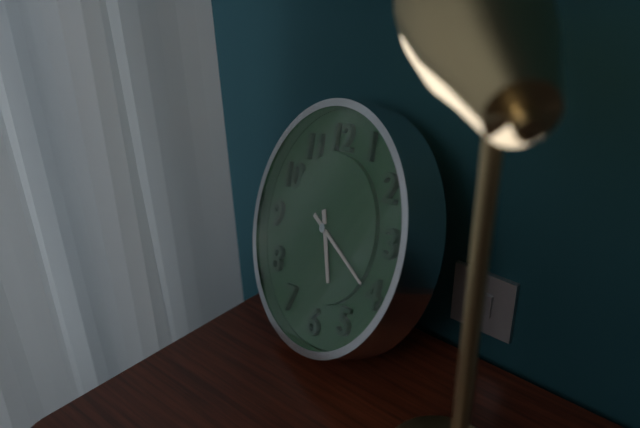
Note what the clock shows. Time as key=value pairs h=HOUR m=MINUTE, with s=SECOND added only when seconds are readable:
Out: h=5 m=20
